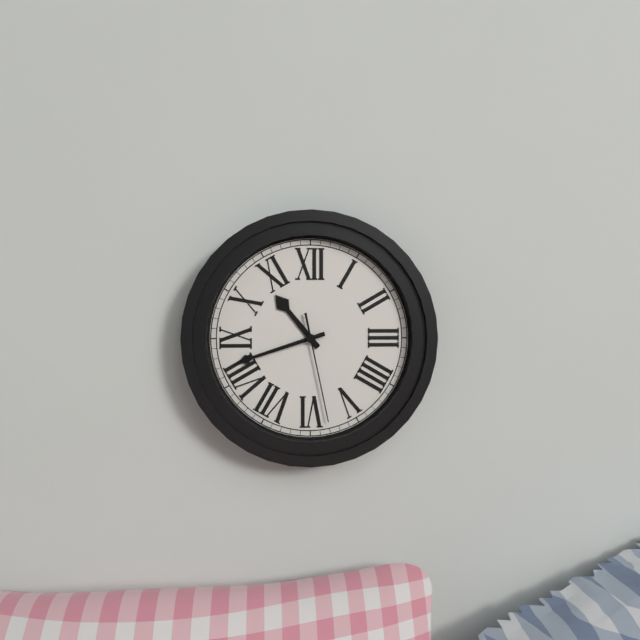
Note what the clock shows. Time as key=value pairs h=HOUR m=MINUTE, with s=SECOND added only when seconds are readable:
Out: h=10 m=42 s=28
